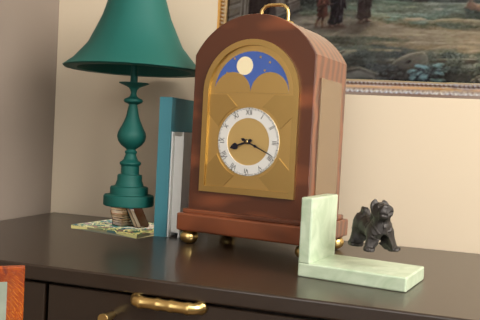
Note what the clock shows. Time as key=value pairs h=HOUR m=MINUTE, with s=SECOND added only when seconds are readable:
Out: h=8 m=19
